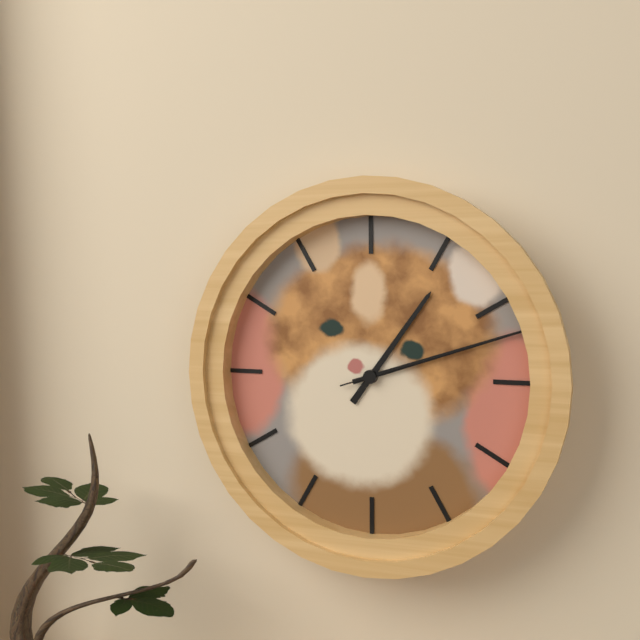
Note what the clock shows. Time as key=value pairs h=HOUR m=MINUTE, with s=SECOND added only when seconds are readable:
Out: h=1 m=12 s=12
